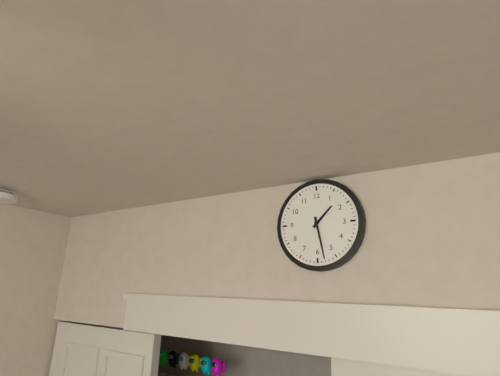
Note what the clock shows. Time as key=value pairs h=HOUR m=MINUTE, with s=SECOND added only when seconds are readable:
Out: h=1 m=28
